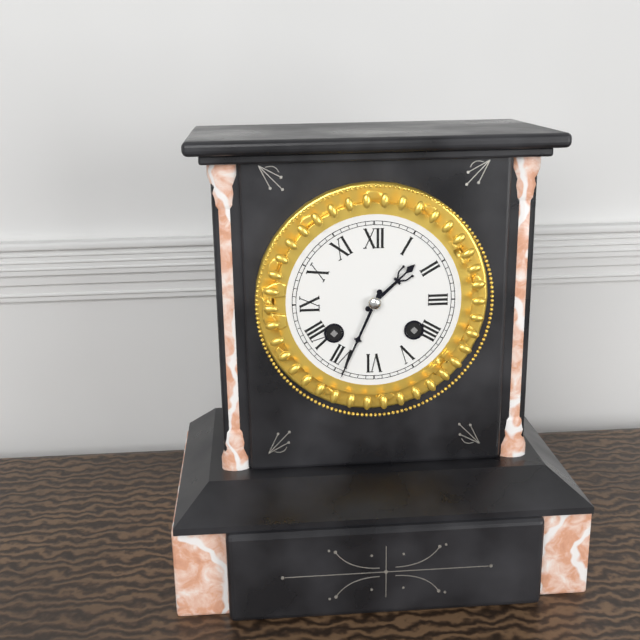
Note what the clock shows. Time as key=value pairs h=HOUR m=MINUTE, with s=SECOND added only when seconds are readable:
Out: h=1 m=34
